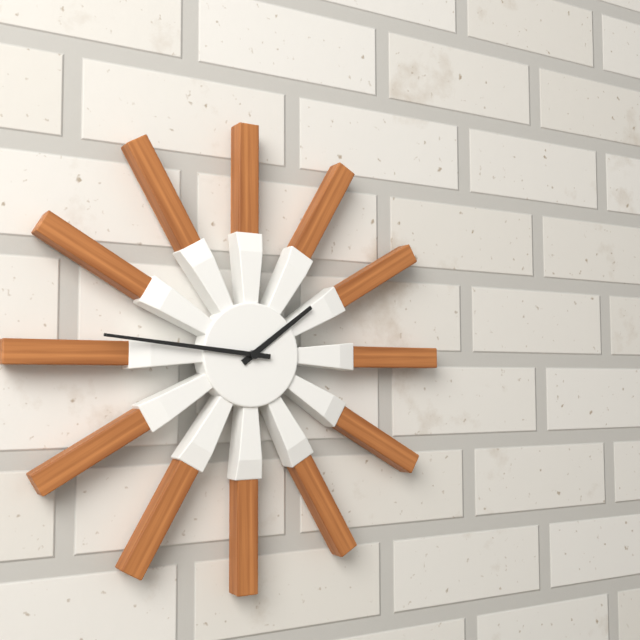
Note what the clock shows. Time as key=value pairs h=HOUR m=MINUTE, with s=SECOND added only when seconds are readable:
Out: h=1 m=46
